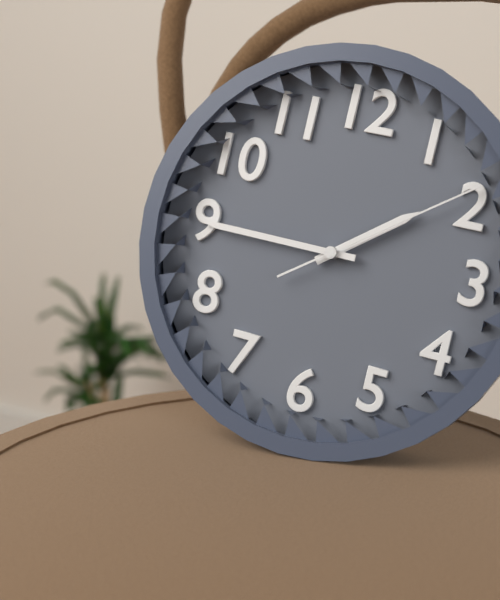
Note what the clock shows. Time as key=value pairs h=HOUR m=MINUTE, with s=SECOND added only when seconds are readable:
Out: h=1 m=45 s=9
